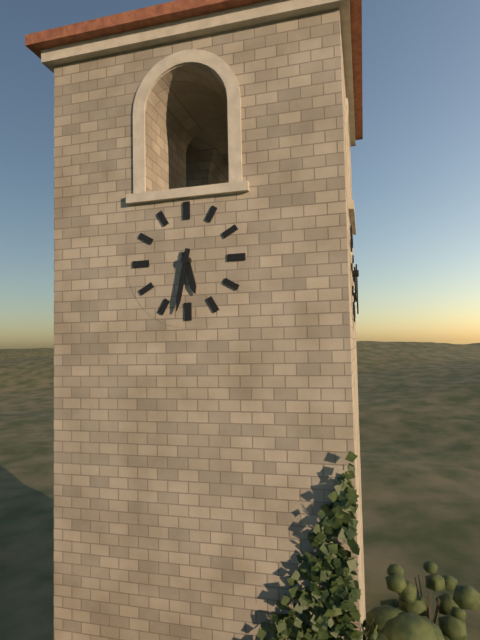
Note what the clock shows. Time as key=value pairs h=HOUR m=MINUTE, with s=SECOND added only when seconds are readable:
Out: h=5 m=32
